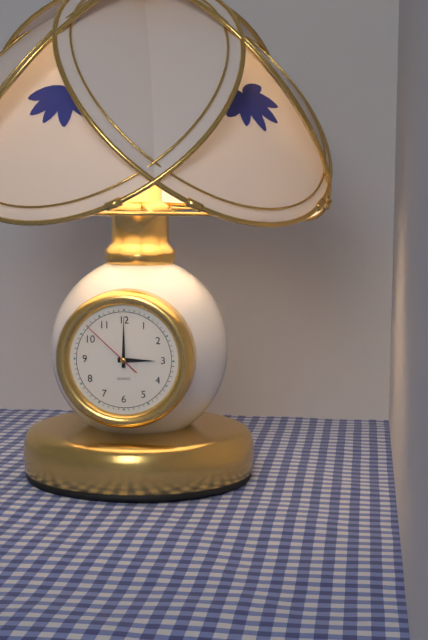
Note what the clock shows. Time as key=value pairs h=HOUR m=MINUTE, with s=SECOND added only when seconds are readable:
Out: h=3 m=0 s=52
